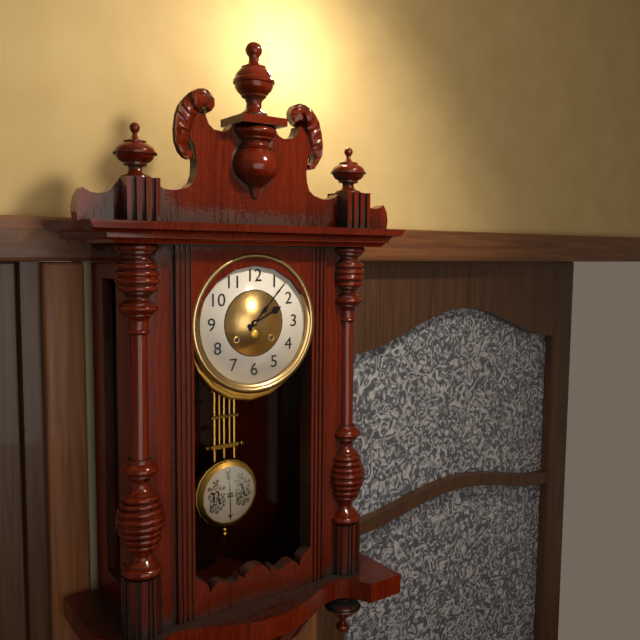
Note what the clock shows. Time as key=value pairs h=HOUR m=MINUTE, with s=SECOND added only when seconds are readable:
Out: h=2 m=7
